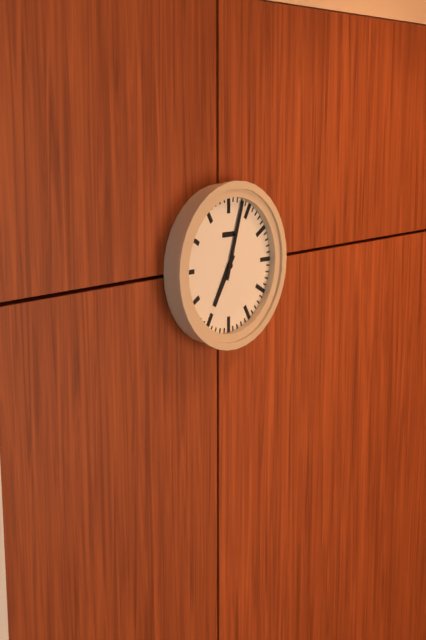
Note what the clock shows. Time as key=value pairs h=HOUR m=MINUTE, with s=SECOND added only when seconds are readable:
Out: h=7 m=3
